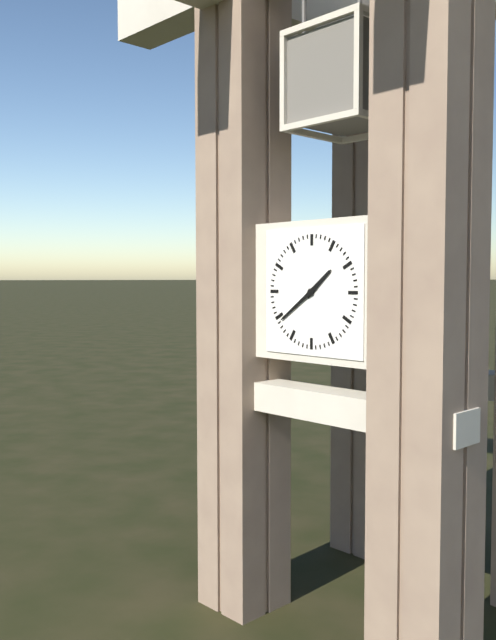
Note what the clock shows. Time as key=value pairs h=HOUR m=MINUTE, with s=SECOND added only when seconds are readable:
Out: h=1 m=39
